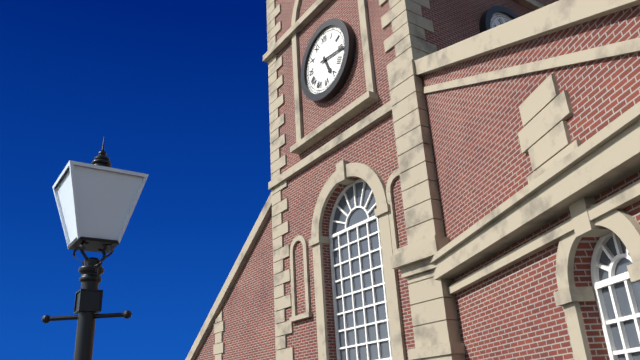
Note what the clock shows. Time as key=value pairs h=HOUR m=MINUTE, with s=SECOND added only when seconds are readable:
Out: h=5 m=16
